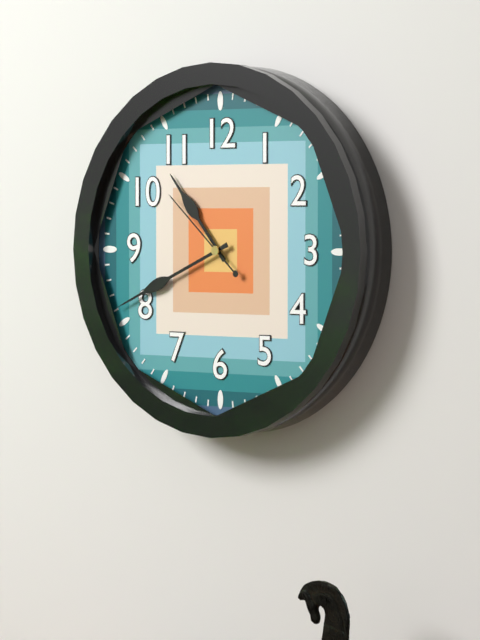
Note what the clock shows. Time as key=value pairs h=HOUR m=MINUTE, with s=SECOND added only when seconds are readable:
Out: h=10 m=41 s=52
